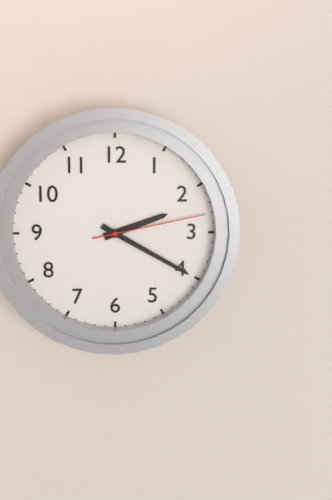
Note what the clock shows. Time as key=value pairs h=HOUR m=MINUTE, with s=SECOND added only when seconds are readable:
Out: h=2 m=20 s=13
